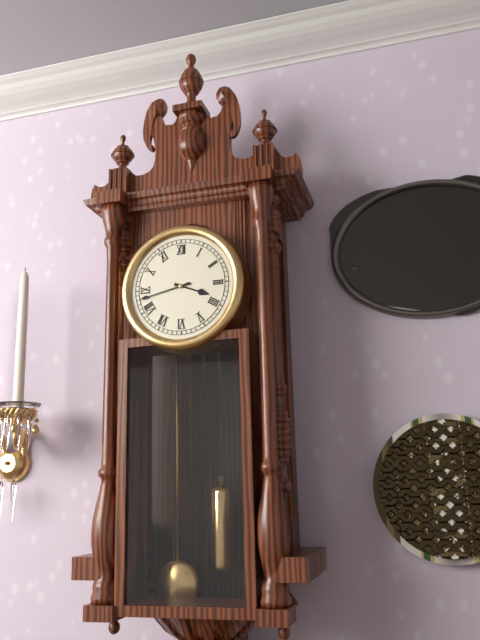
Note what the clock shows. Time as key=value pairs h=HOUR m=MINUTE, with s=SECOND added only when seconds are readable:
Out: h=3 m=43
